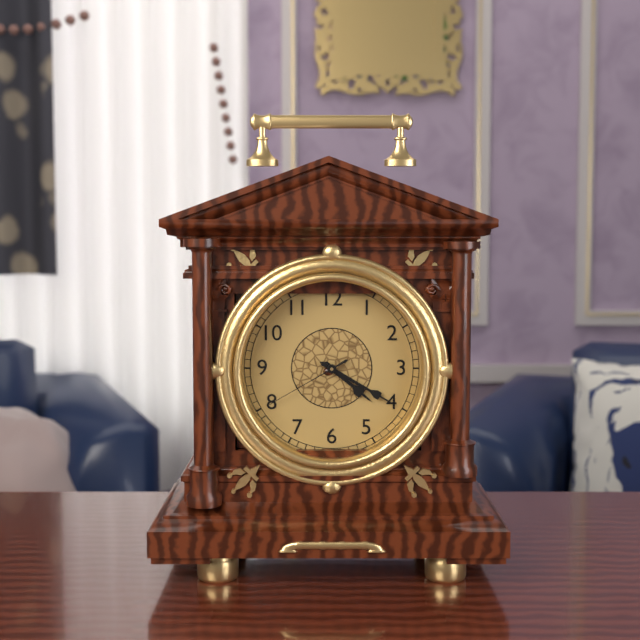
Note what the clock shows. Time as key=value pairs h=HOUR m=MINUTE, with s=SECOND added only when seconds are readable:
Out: h=4 m=20 s=40
